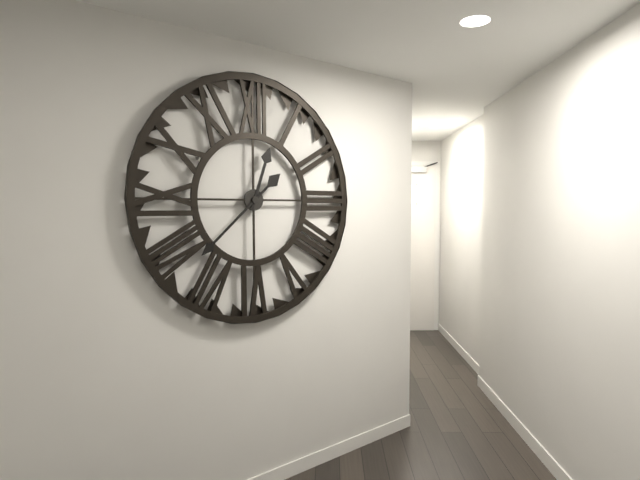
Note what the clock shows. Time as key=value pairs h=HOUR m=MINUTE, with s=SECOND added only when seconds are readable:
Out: h=12 m=38
